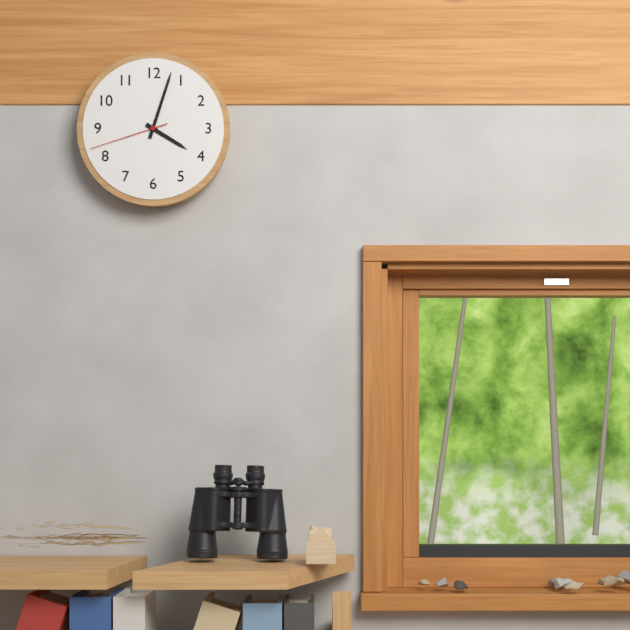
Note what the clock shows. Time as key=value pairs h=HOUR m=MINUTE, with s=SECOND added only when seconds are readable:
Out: h=4 m=3 s=42
